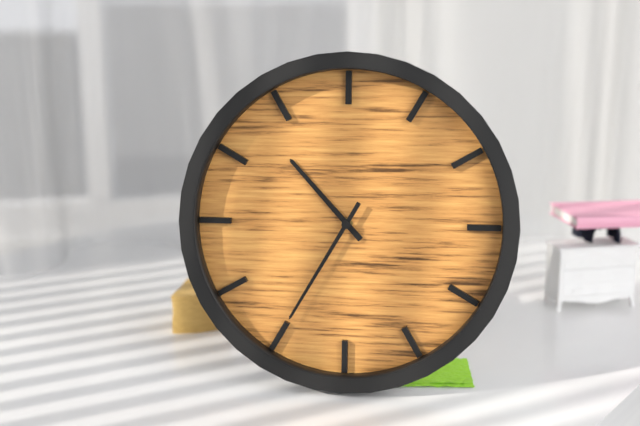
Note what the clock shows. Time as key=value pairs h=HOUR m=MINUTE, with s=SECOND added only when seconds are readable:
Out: h=10 m=35
